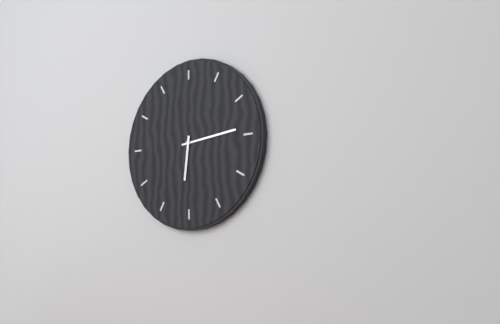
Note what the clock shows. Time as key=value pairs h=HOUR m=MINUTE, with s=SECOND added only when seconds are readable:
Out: h=6 m=14
